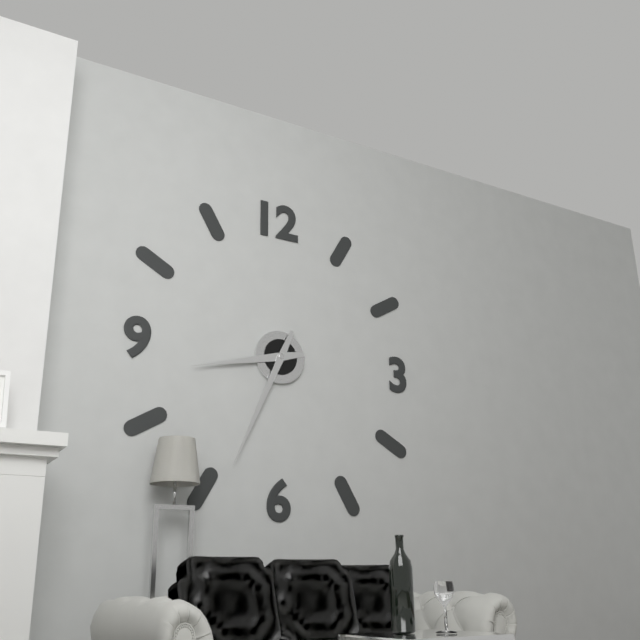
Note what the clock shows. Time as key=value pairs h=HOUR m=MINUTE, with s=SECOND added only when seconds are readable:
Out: h=8 m=34
